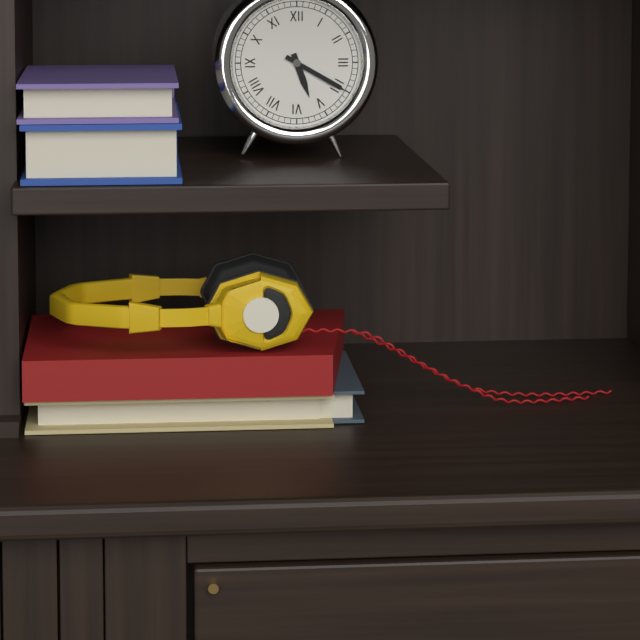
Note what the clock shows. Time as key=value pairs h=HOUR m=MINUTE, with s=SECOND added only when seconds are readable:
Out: h=5 m=20
